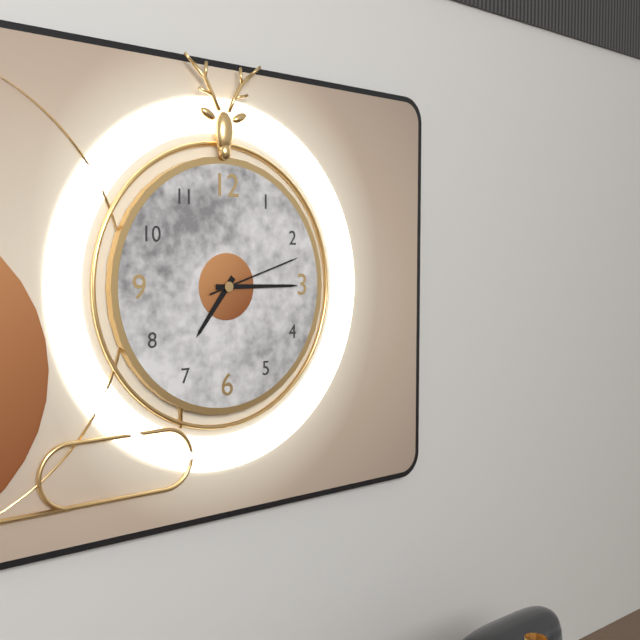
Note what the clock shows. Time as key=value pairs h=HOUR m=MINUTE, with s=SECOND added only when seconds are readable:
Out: h=7 m=15 s=12
